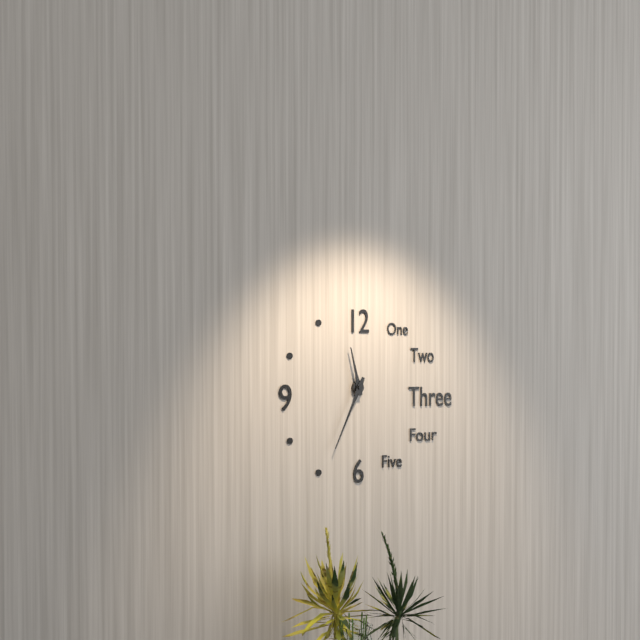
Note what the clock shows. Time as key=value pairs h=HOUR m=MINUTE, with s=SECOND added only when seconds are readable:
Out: h=11 m=34
